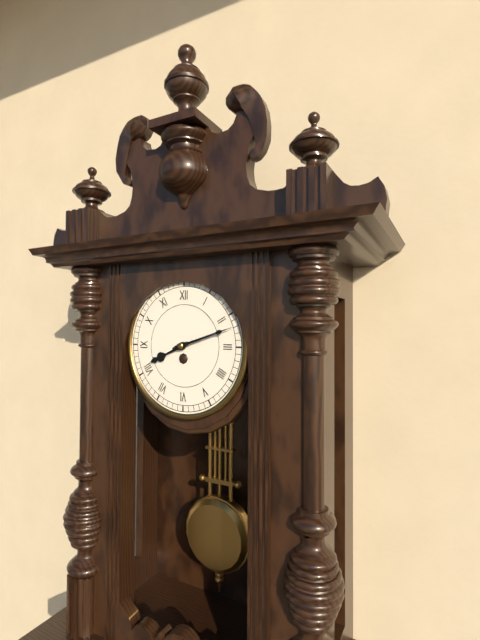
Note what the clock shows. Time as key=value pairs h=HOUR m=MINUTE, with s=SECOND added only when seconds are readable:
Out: h=8 m=12
